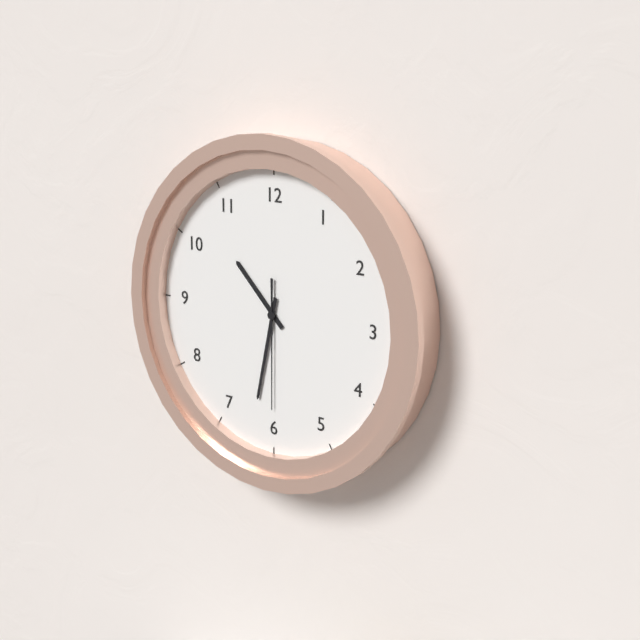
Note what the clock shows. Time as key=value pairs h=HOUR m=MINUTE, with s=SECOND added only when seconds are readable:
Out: h=10 m=32 s=30
